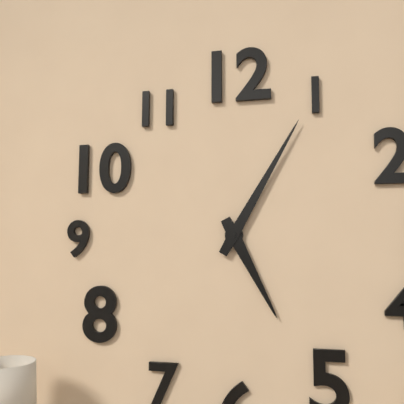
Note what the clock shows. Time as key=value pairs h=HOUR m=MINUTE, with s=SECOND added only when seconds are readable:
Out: h=5 m=5
